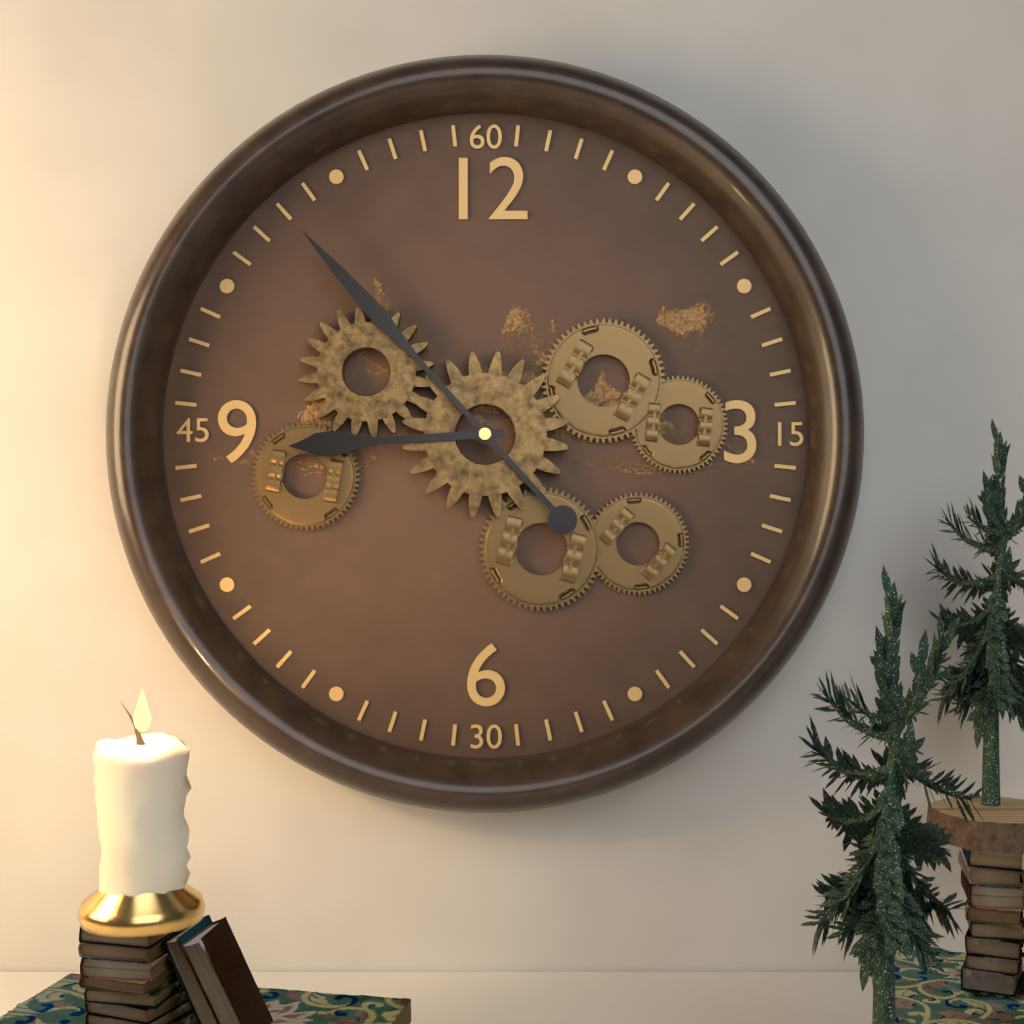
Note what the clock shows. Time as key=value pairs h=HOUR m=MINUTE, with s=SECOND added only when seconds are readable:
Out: h=8 m=53
